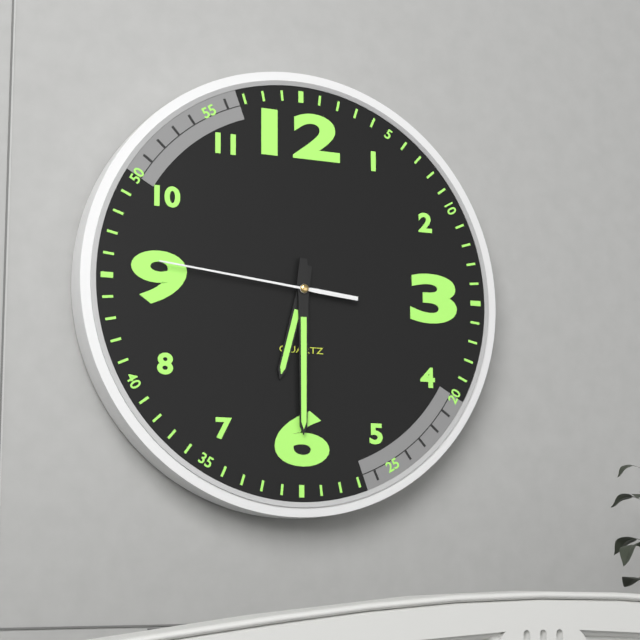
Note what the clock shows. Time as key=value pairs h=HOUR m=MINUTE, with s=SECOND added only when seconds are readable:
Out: h=6 m=30 s=46
